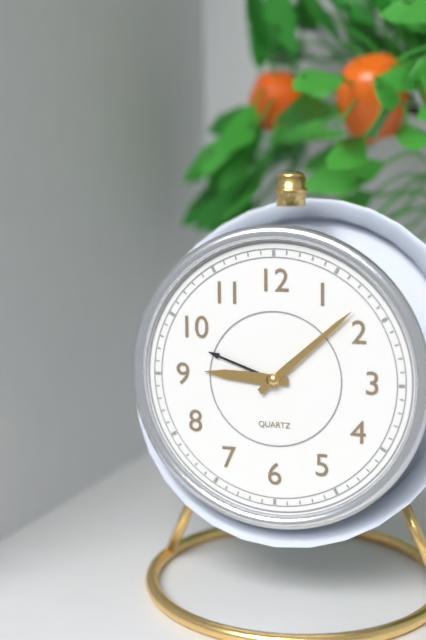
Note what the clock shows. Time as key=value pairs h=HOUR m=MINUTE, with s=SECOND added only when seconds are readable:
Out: h=9 m=8
